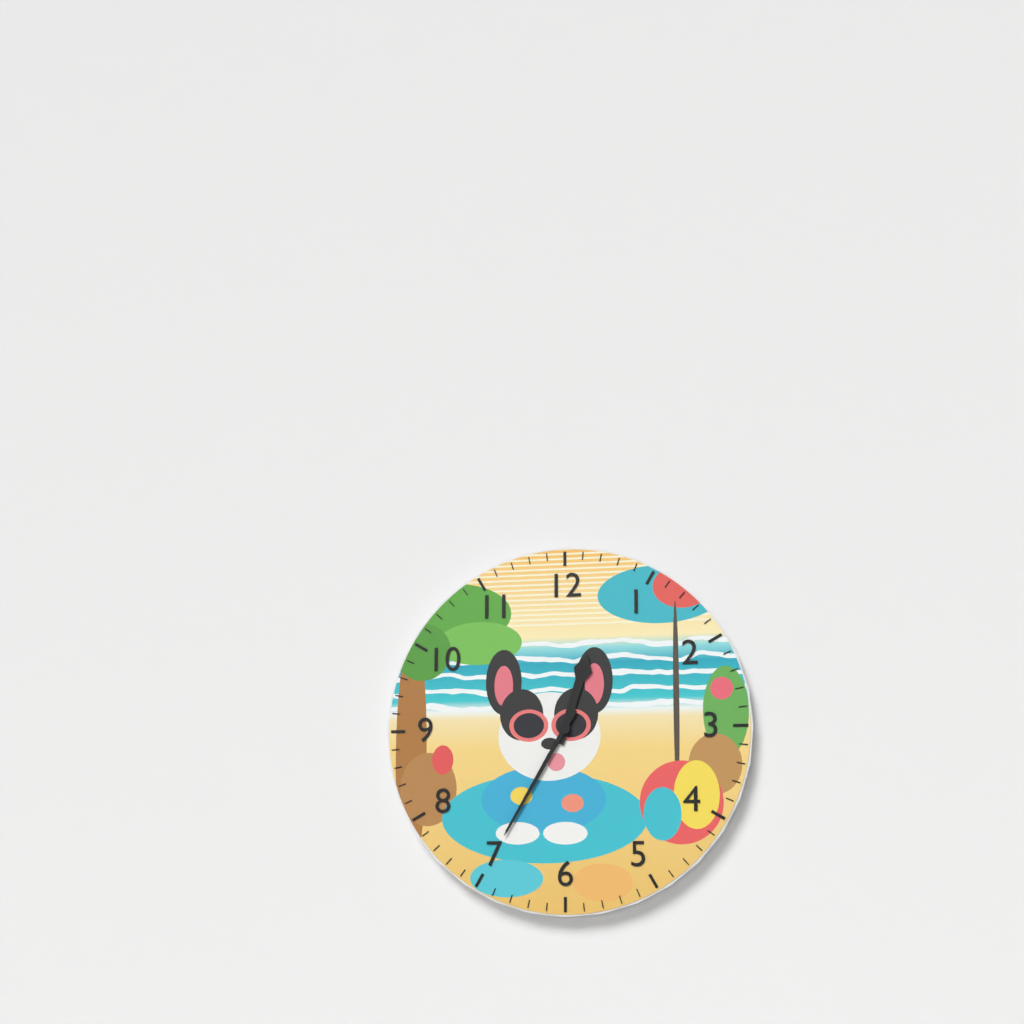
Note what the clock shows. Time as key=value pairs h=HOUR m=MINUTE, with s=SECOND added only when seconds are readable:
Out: h=12 m=35
